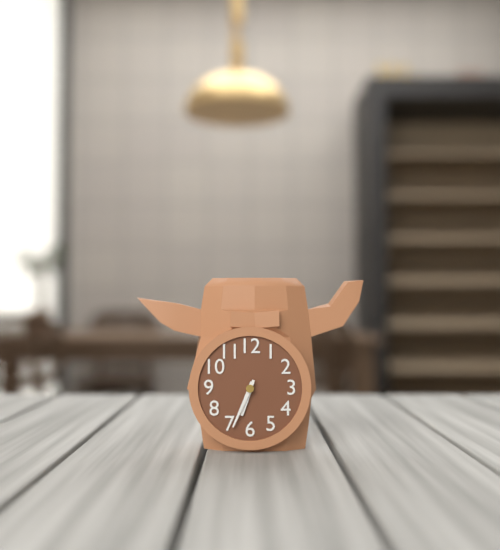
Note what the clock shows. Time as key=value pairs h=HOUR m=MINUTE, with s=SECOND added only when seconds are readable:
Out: h=6 m=34
